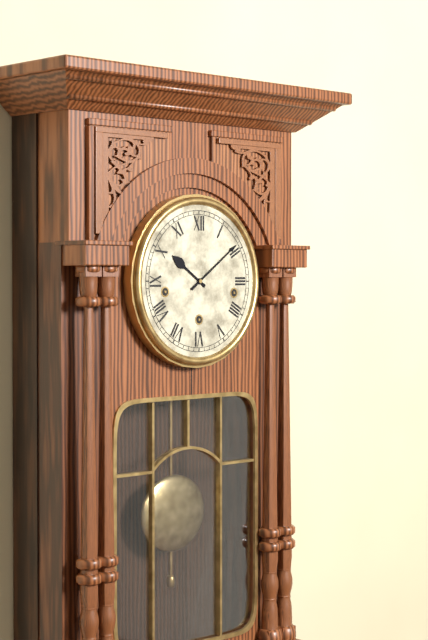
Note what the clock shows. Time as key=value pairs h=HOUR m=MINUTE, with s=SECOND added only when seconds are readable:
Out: h=10 m=9
